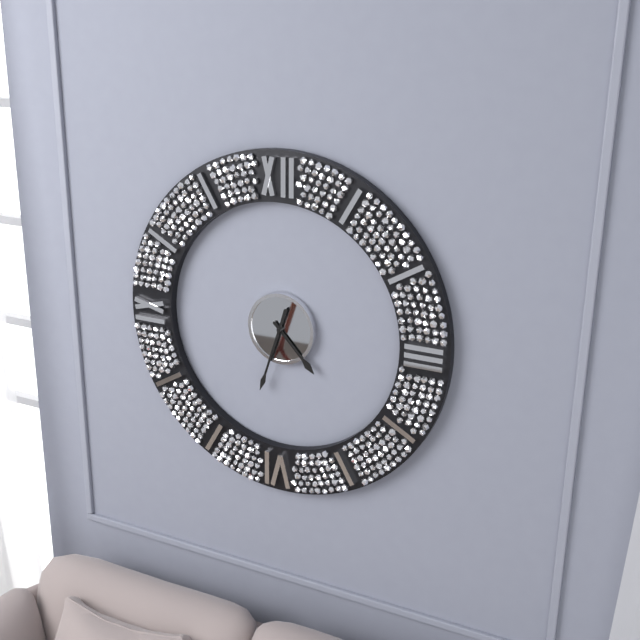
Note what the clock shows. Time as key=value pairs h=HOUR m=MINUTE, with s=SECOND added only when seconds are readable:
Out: h=4 m=33
